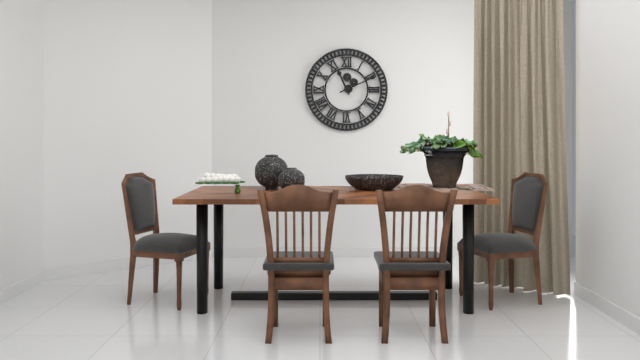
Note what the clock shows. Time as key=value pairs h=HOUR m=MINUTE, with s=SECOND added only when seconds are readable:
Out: h=11 m=11
